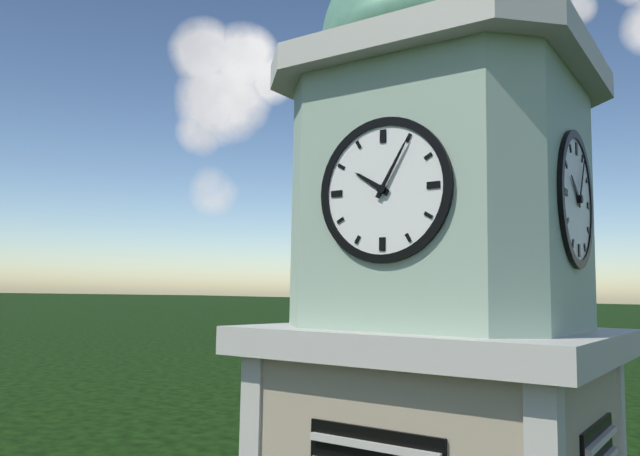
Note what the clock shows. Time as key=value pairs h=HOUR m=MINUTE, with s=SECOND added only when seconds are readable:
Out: h=10 m=5
